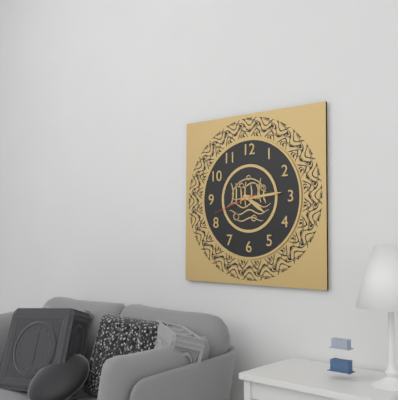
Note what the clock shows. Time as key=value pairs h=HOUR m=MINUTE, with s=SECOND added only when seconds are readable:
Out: h=4 m=14
